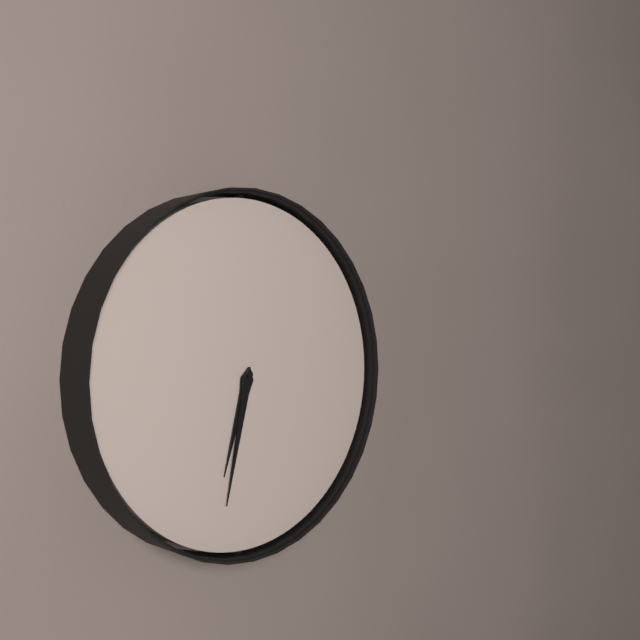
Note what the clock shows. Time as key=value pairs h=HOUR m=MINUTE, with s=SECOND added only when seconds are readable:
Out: h=6 m=32
